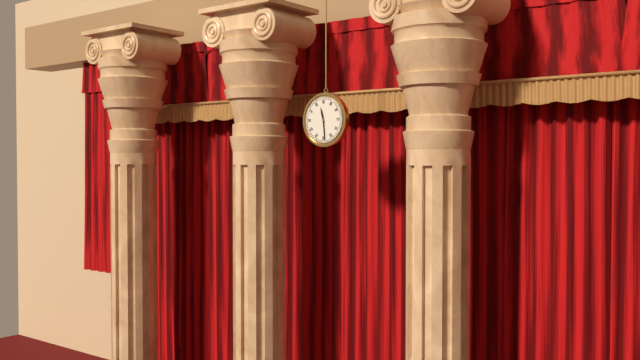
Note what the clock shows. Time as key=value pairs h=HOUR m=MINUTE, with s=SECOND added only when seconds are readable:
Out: h=11 m=29
